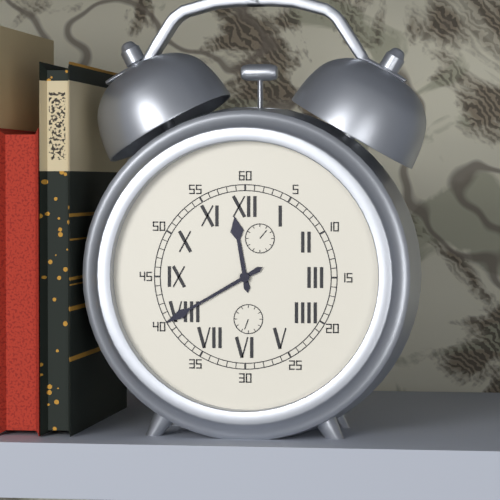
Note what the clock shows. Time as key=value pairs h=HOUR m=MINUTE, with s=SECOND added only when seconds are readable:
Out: h=11 m=40
